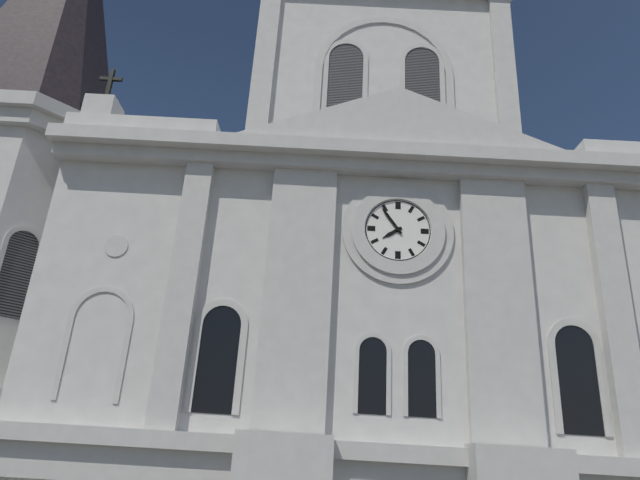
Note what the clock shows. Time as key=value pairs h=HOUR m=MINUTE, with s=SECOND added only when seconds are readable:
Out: h=7 m=54
